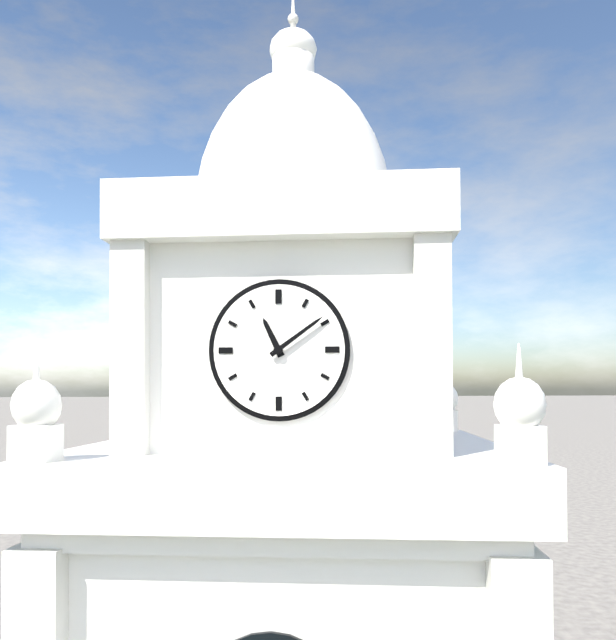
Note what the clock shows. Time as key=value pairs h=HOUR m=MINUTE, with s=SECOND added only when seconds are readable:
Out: h=11 m=9
